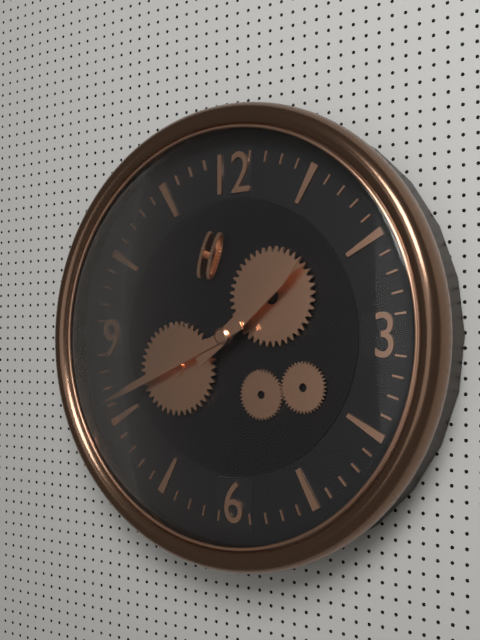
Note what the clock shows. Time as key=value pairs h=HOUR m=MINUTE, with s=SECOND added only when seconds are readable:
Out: h=1 m=41
